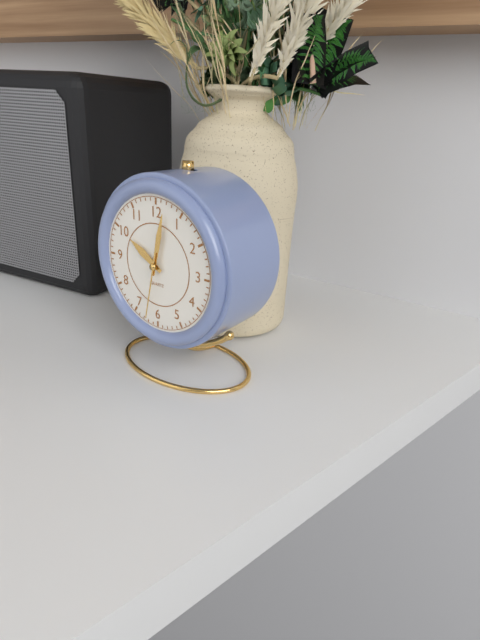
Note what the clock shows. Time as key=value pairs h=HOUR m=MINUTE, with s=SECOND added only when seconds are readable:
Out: h=10 m=2 s=32
